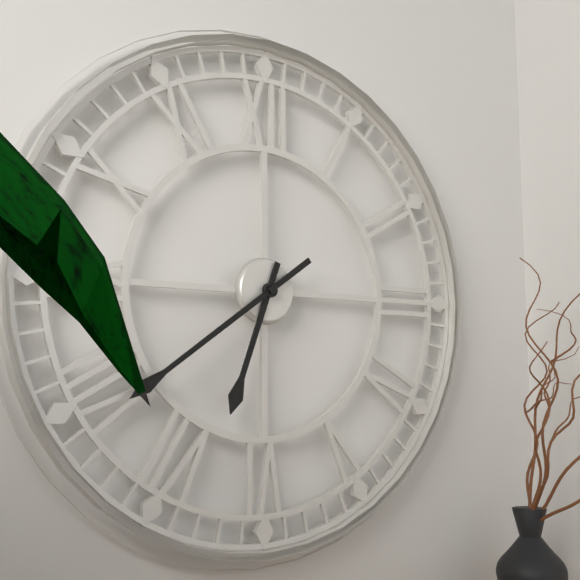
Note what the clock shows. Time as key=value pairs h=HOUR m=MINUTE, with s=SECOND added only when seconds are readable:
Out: h=6 m=39
